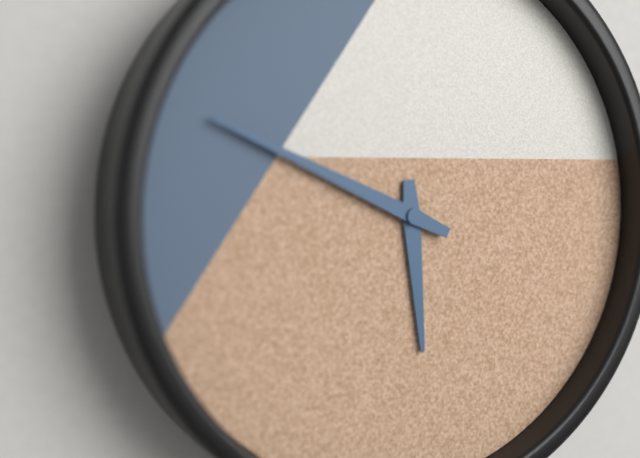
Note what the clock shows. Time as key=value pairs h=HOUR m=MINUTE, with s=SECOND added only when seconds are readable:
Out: h=5 m=49
